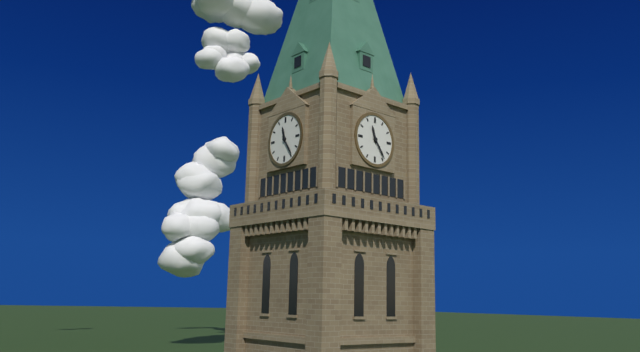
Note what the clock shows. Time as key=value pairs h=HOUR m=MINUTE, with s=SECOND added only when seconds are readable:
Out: h=11 m=24
